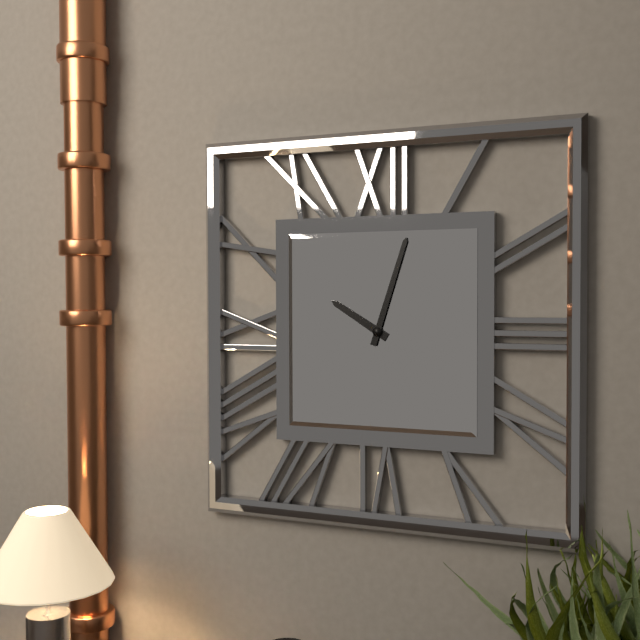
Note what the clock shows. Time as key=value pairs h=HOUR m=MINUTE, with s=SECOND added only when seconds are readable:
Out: h=10 m=3
